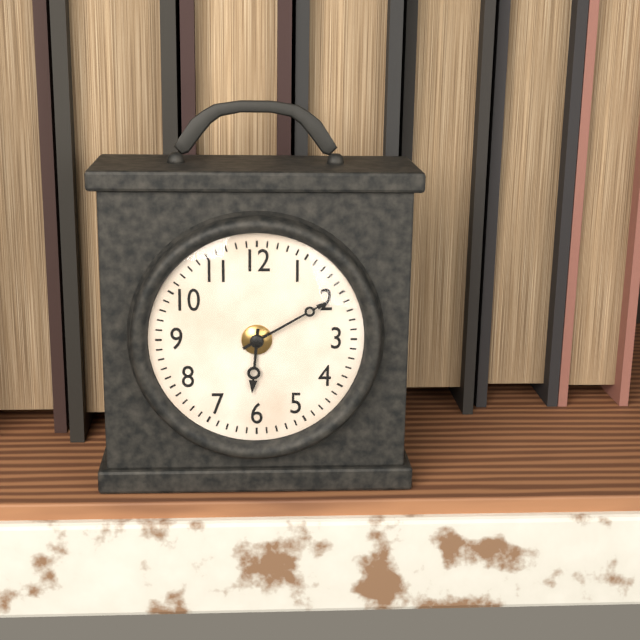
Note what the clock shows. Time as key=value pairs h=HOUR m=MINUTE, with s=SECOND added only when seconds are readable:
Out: h=6 m=10
